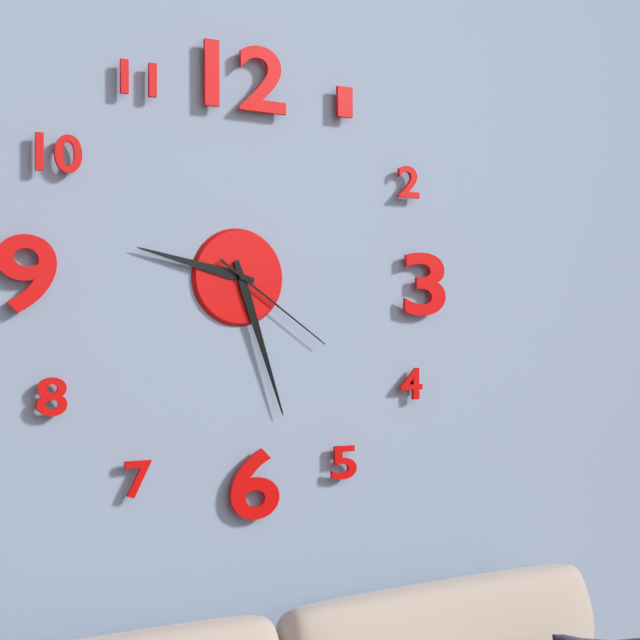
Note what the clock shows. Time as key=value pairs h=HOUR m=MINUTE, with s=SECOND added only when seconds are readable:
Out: h=9 m=27 s=21
